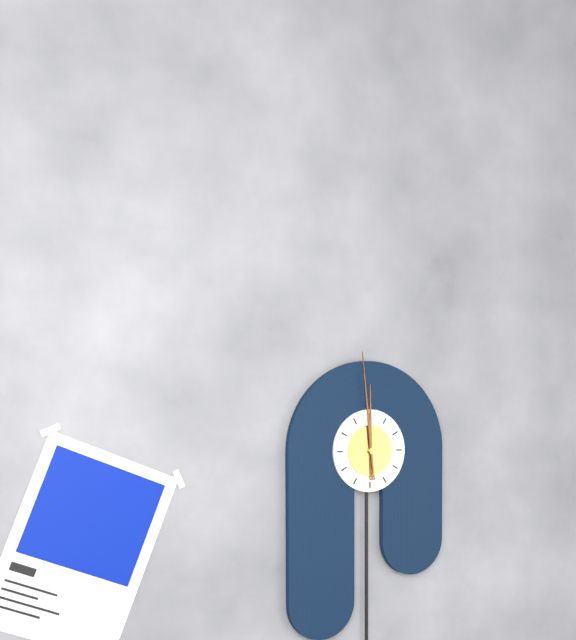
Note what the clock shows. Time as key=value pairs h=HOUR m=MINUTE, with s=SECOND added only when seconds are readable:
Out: h=11 m=59
